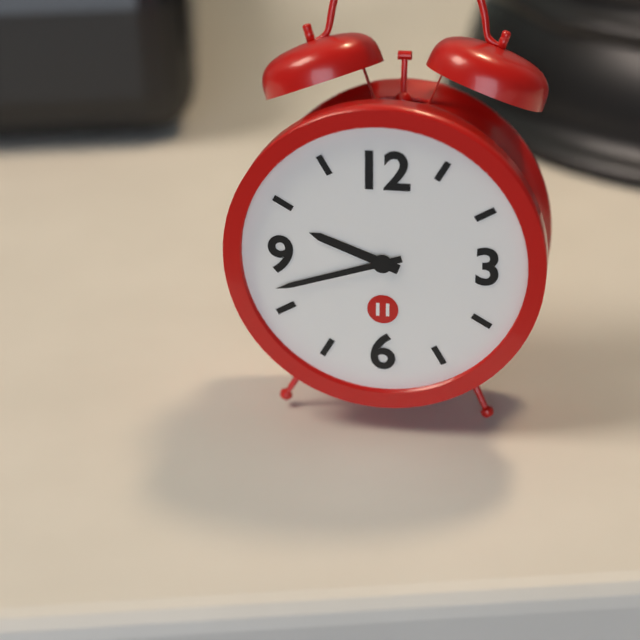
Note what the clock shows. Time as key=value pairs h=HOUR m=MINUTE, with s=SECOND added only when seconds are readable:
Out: h=9 m=42
